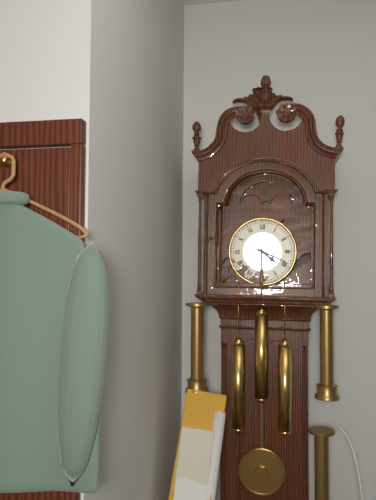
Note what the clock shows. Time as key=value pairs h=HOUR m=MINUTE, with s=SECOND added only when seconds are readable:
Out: h=4 m=19
